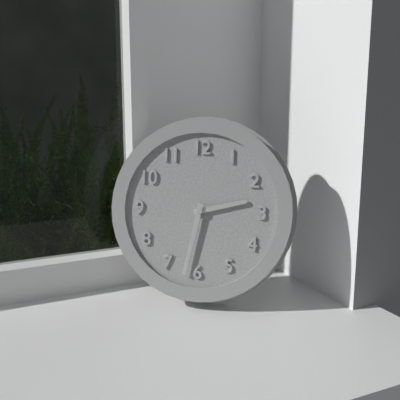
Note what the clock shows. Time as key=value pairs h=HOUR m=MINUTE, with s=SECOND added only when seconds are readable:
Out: h=2 m=32
